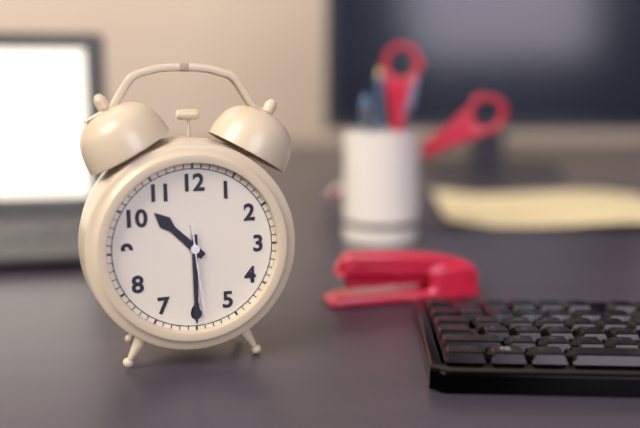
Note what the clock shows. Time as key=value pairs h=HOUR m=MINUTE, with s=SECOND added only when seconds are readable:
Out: h=10 m=30 s=29
